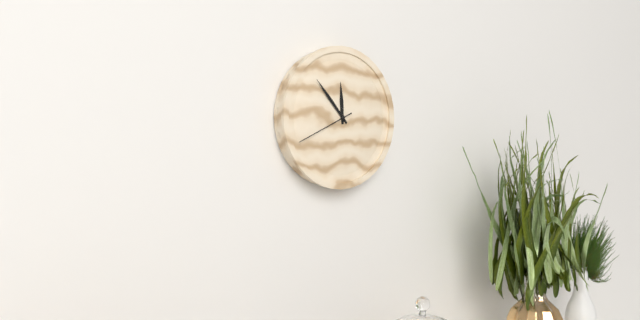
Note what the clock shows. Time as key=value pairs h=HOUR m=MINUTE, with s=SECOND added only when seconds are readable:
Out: h=11 m=53 s=41
